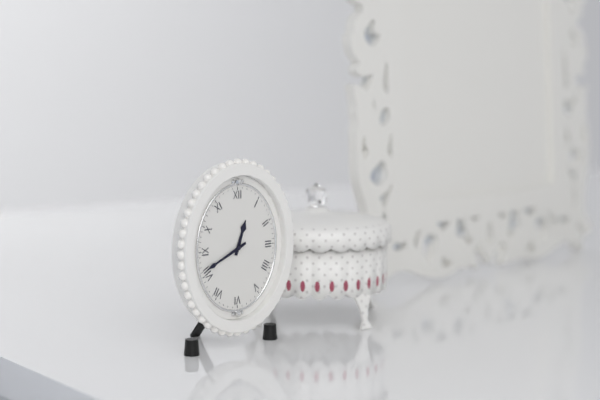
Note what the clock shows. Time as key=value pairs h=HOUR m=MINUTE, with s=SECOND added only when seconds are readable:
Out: h=12 m=41
